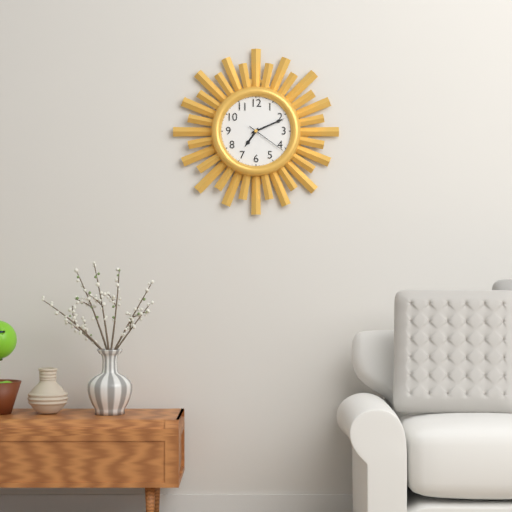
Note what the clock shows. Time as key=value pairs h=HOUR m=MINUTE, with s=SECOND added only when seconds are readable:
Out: h=7 m=11
